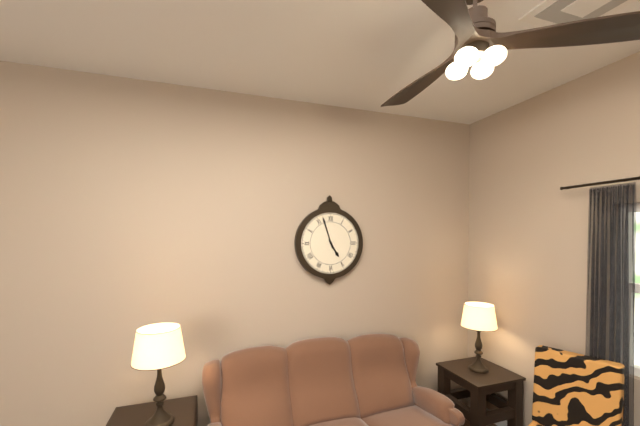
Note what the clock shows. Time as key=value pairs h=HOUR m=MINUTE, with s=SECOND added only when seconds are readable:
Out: h=4 m=57
